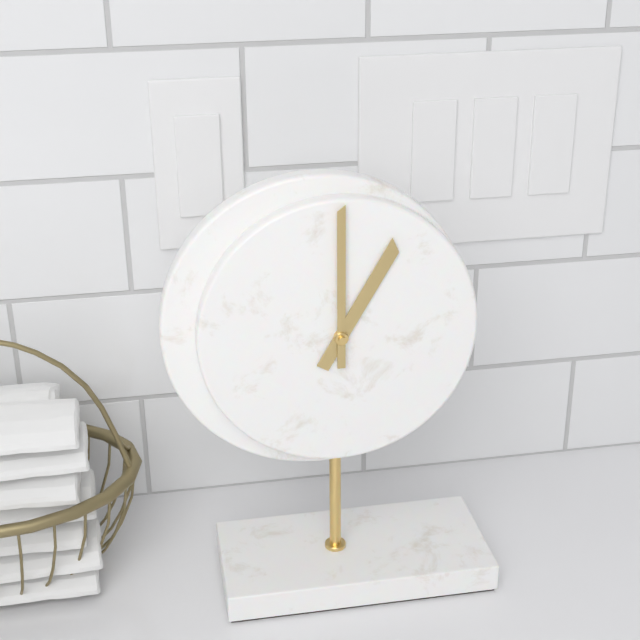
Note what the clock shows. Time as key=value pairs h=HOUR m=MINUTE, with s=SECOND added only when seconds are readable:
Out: h=1 m=0
